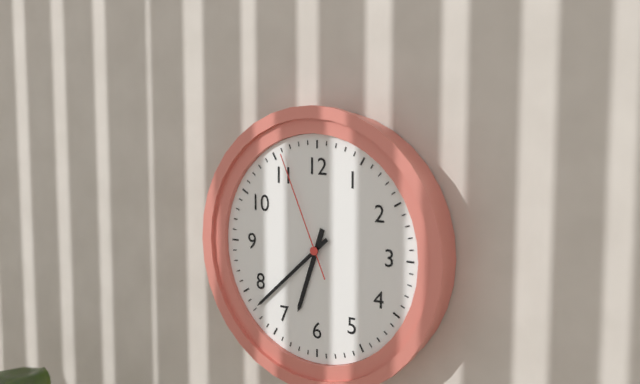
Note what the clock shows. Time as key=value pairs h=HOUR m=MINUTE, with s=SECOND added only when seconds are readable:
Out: h=6 m=38 s=56
